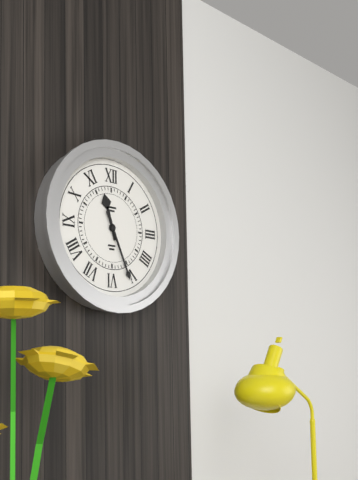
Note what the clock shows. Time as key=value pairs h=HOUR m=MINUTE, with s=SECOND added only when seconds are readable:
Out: h=11 m=26
